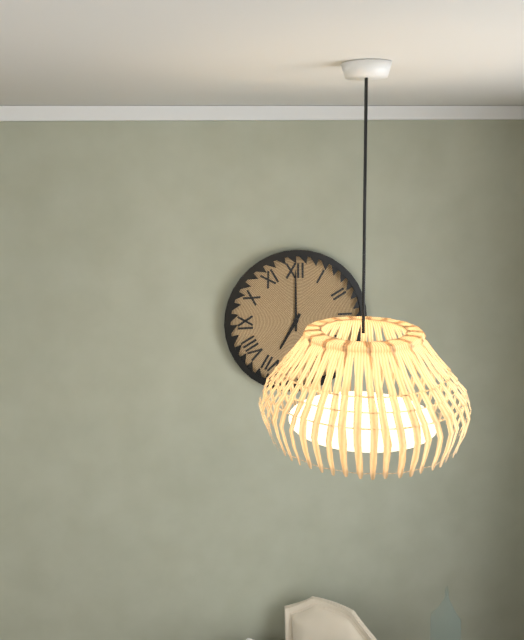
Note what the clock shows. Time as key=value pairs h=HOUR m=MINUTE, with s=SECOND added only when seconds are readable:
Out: h=7 m=0
